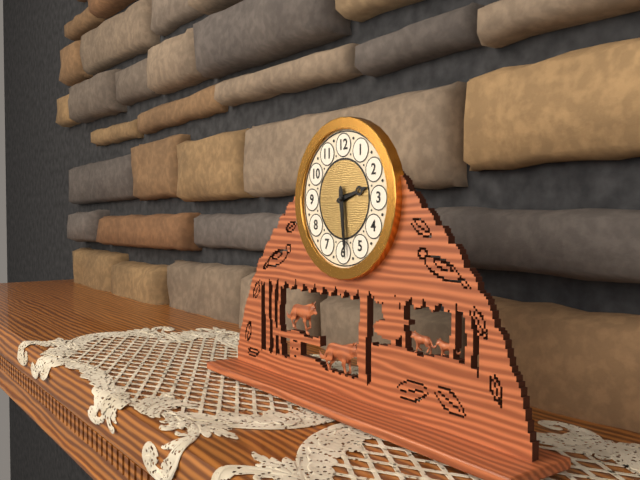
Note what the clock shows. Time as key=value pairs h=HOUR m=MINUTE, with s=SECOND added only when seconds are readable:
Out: h=2 m=29
